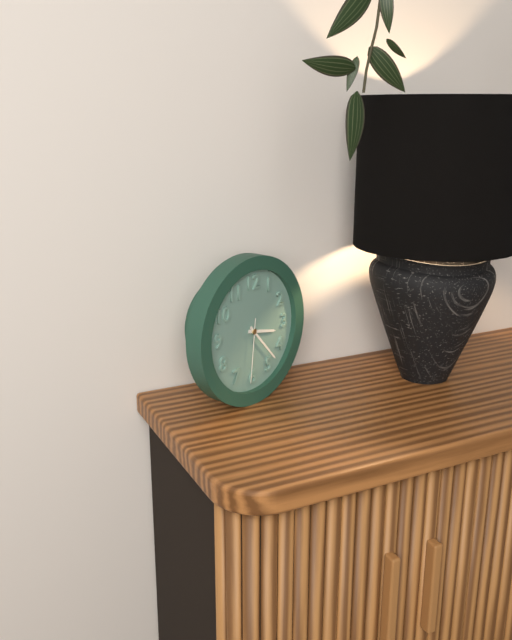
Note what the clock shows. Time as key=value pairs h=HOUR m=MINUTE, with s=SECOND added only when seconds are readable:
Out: h=3 m=23 s=31
